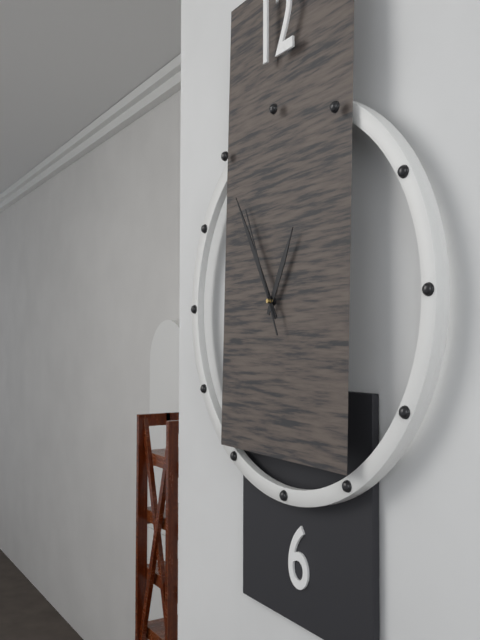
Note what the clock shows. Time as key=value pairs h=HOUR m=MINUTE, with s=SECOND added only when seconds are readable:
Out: h=12 m=55 s=56
